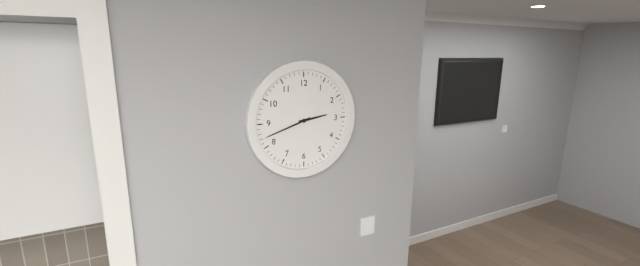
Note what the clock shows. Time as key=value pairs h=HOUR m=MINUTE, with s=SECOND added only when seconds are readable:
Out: h=2 m=42
